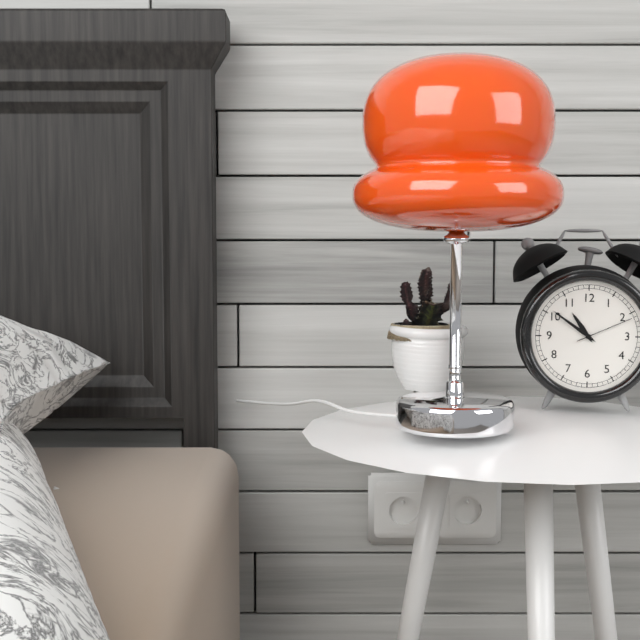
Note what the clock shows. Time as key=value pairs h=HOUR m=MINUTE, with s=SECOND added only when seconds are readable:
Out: h=10 m=51 s=11
